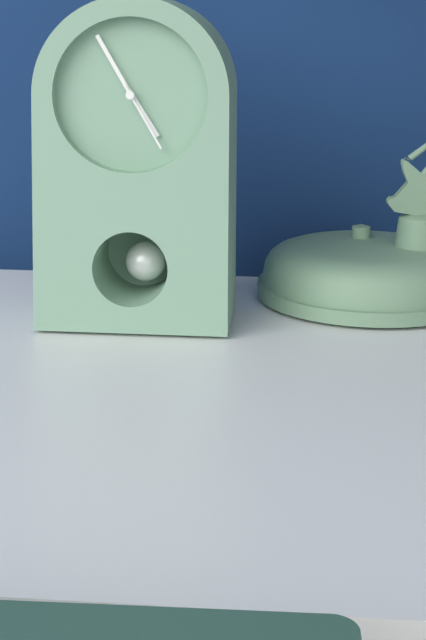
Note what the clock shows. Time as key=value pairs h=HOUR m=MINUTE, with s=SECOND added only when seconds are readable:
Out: h=4 m=55 s=25
